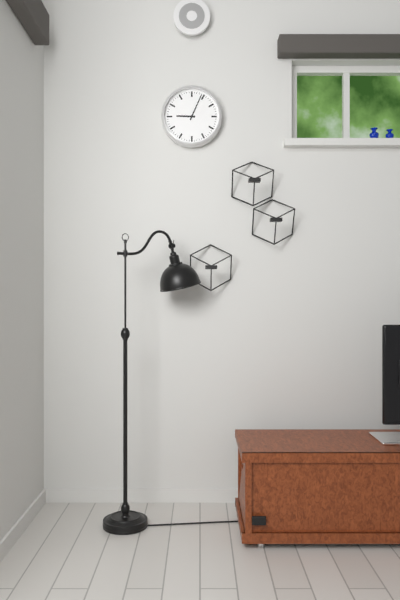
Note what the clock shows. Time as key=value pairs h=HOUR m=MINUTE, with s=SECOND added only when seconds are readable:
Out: h=9 m=4
